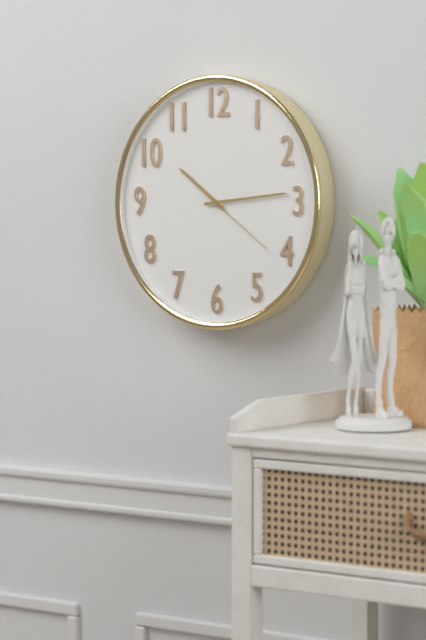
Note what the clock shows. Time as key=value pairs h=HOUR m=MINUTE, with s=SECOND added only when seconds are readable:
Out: h=10 m=14 s=21
